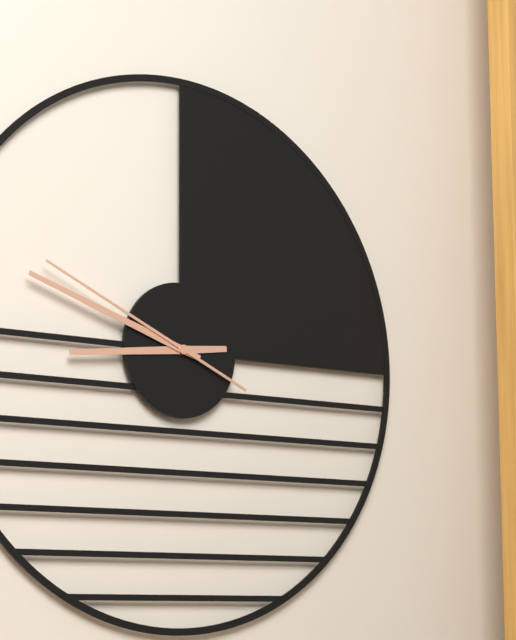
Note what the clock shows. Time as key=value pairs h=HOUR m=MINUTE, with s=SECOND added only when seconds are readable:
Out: h=8 m=48 s=49
